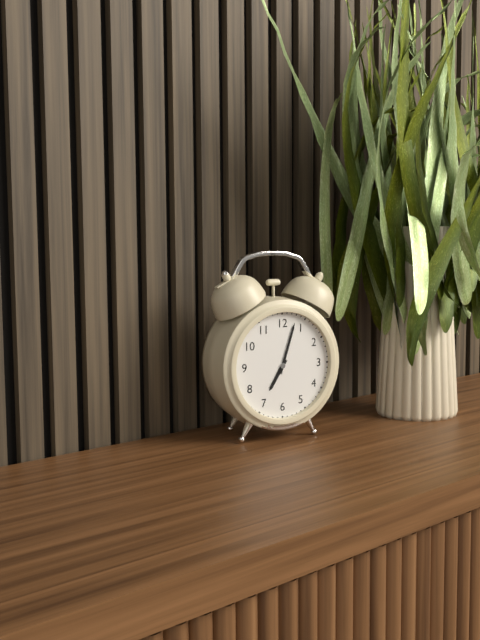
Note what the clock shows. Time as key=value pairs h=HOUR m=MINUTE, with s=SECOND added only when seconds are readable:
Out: h=7 m=3
